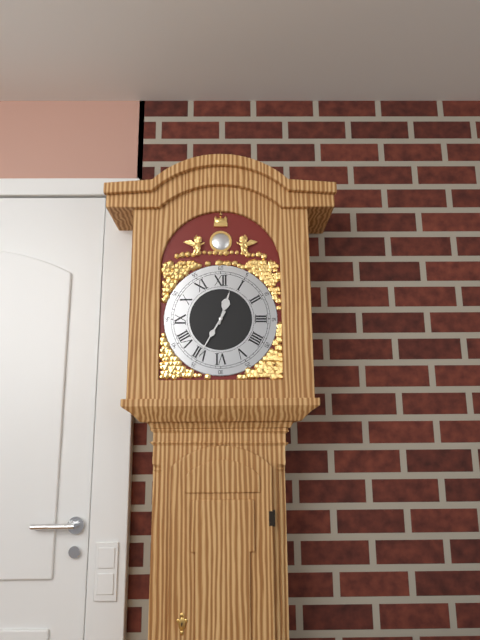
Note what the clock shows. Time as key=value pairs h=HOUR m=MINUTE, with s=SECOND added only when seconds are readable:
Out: h=12 m=35
